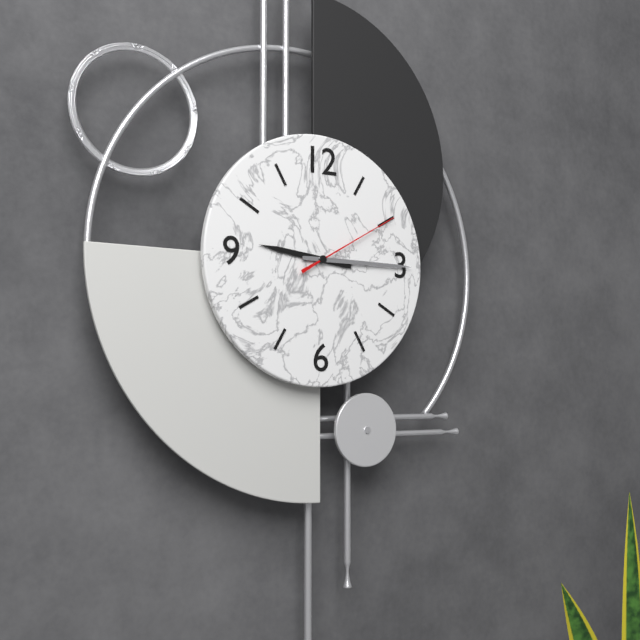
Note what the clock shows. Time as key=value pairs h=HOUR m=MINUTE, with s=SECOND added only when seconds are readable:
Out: h=9 m=15 s=10
